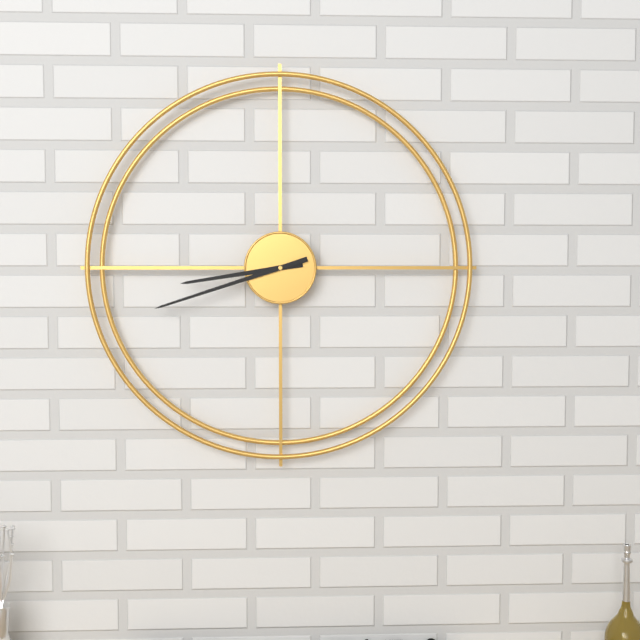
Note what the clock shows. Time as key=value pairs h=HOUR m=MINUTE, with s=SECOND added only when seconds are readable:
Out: h=8 m=42
